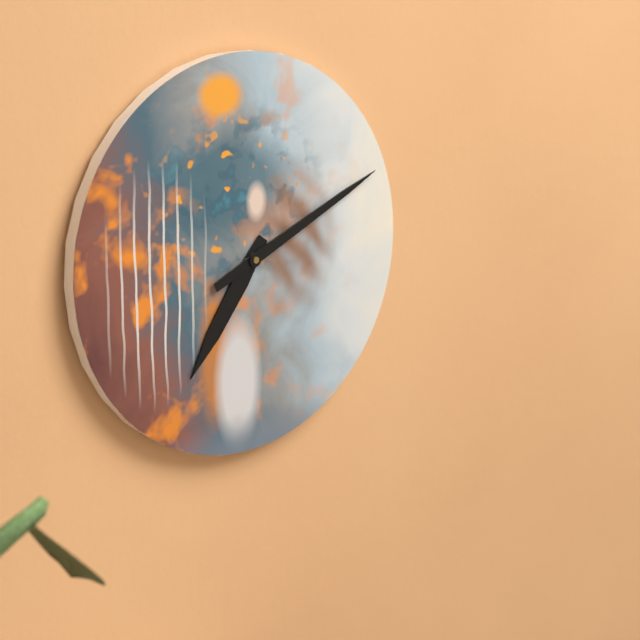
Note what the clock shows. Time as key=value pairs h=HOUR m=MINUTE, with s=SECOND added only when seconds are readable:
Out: h=7 m=11
